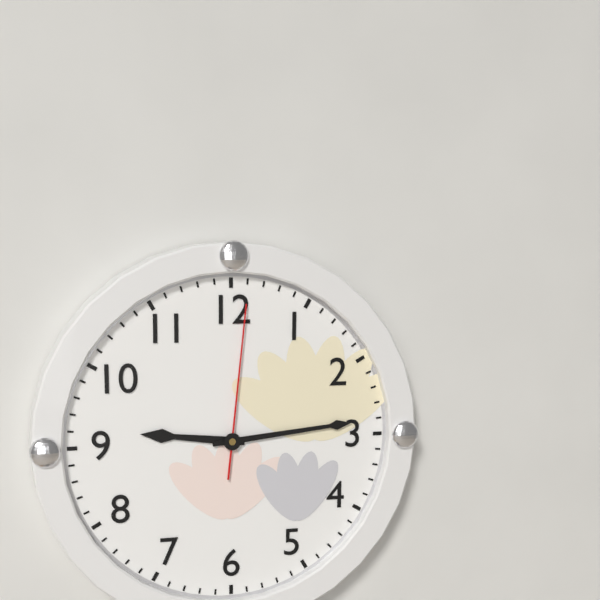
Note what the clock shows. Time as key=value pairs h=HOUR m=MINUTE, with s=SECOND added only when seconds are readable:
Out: h=9 m=14 s=1
